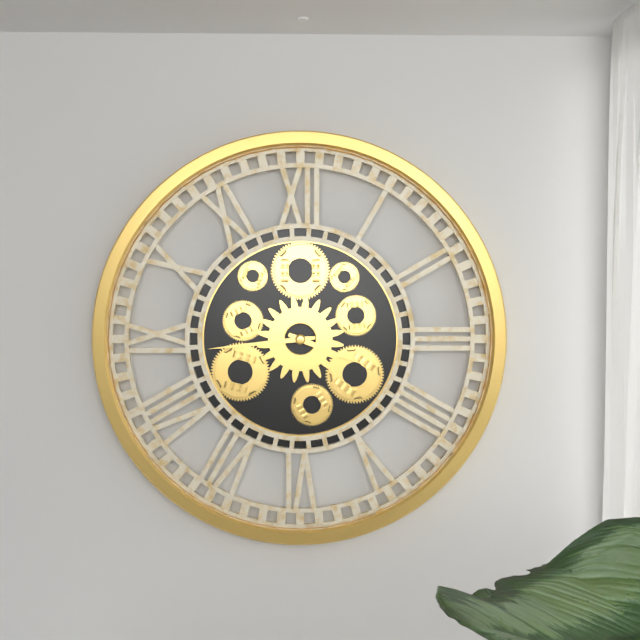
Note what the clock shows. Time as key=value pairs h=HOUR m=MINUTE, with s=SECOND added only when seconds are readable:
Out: h=3 m=44
